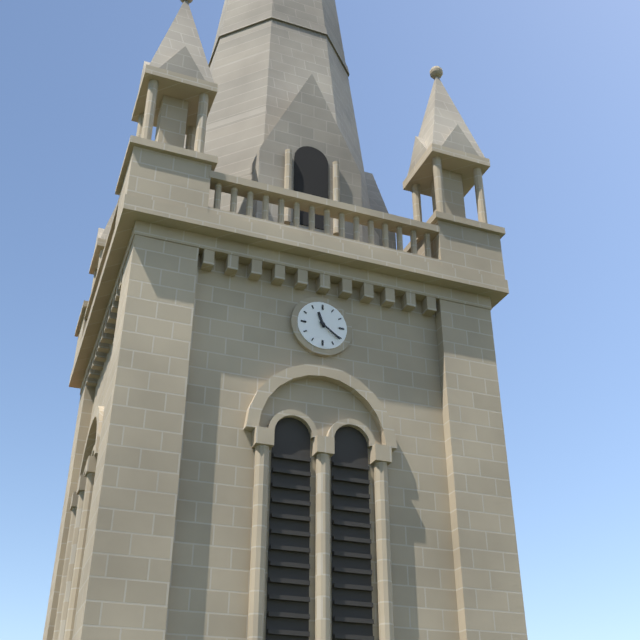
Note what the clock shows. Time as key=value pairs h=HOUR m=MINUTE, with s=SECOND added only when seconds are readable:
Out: h=11 m=21
